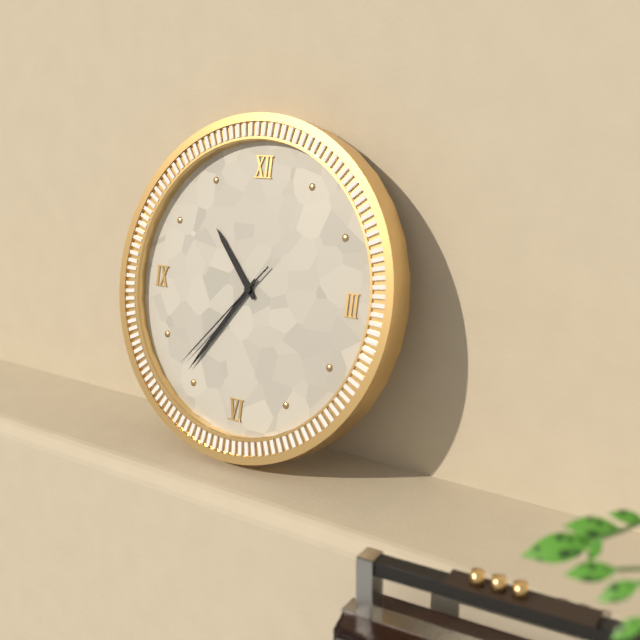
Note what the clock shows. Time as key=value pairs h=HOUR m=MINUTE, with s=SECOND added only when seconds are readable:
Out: h=10 m=36 s=37
